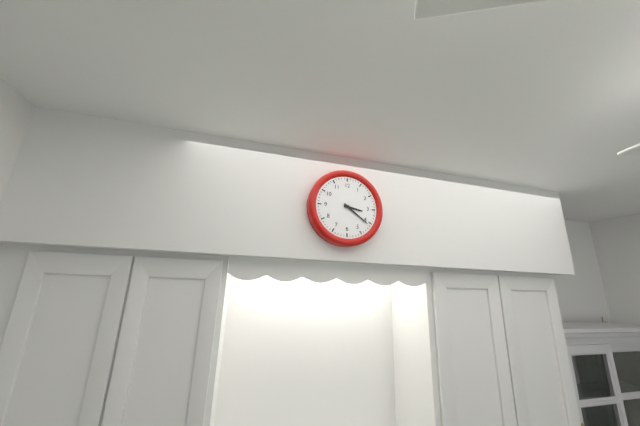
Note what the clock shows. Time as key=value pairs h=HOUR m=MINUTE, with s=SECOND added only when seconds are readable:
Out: h=3 m=21
